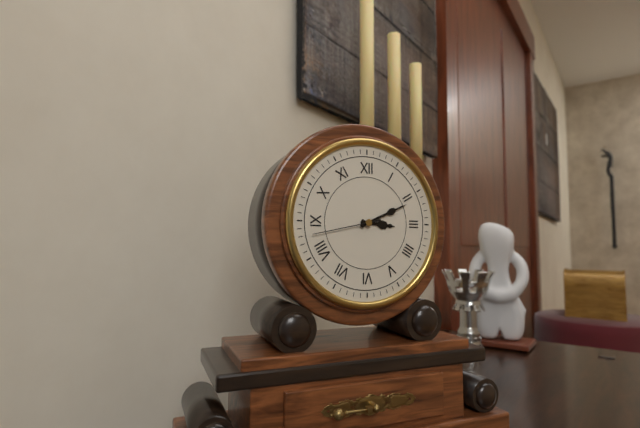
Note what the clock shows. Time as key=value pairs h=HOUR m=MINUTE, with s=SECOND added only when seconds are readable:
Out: h=3 m=11 s=43
